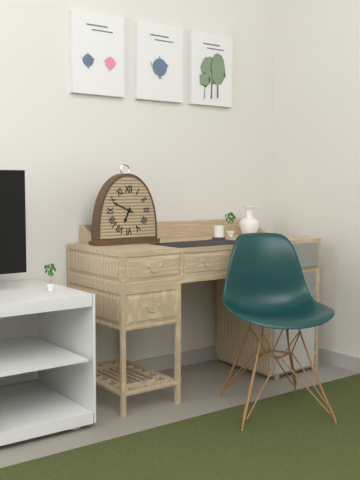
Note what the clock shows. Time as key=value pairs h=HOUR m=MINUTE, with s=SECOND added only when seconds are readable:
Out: h=6 m=49
